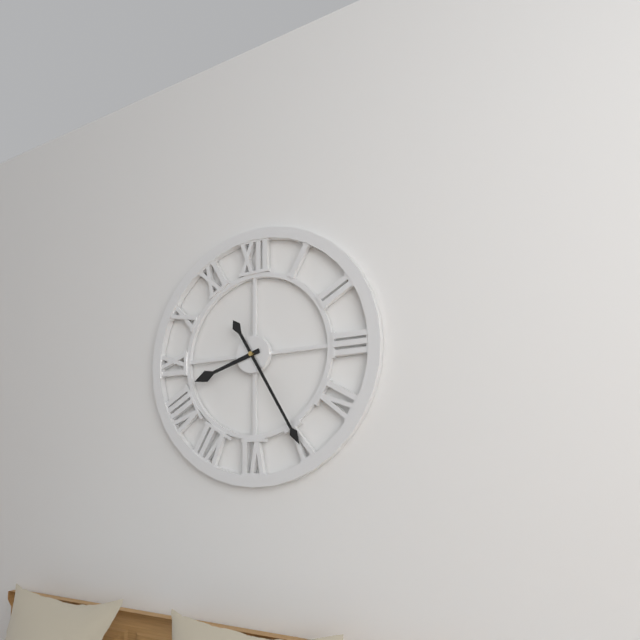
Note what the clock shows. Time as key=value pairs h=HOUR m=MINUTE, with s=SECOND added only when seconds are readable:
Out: h=8 m=25
